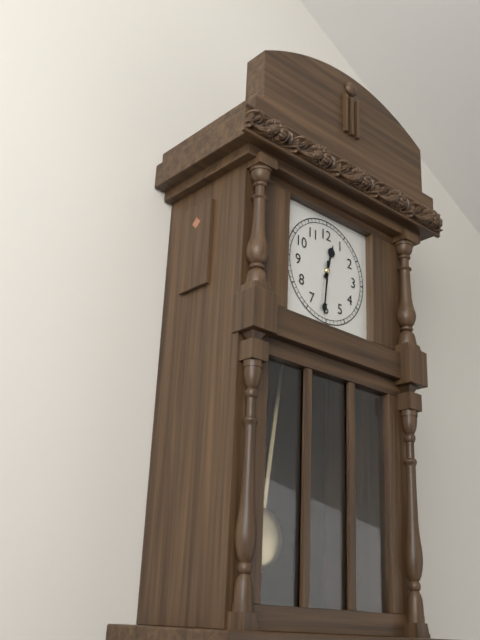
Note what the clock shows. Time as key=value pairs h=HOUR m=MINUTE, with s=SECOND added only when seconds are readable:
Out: h=12 m=31
